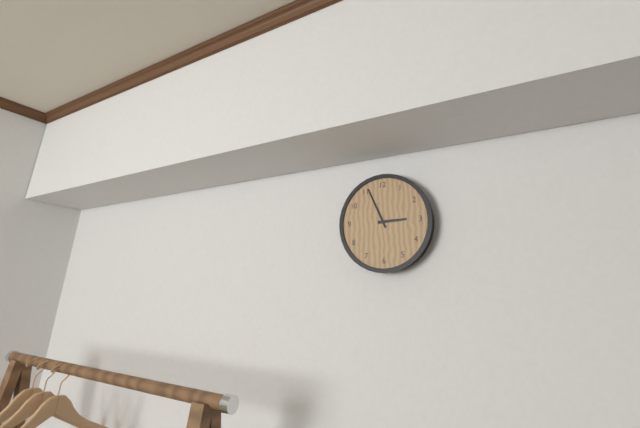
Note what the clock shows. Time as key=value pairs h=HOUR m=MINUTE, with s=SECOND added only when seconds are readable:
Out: h=2 m=56
